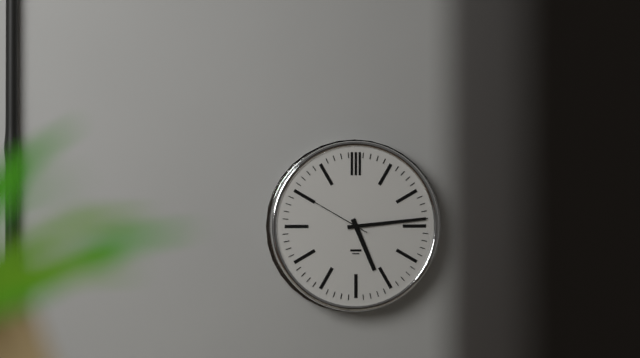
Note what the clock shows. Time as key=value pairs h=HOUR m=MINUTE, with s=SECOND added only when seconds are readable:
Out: h=5 m=14 s=50
